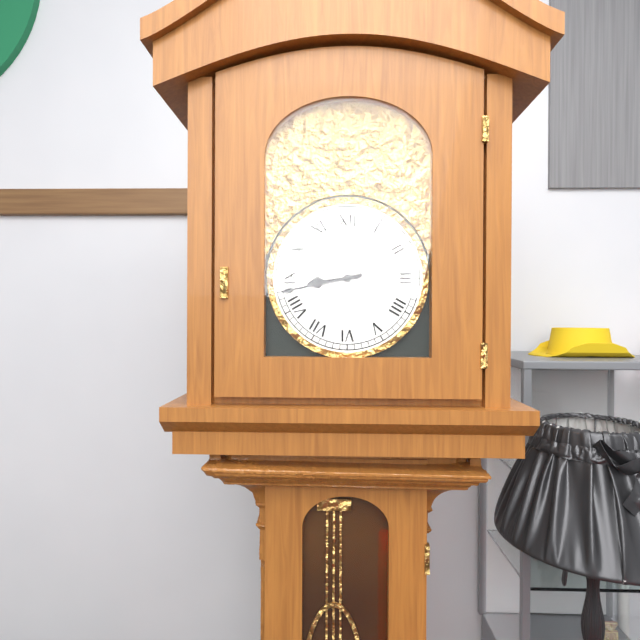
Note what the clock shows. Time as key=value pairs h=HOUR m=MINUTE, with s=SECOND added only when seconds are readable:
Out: h=8 m=43
